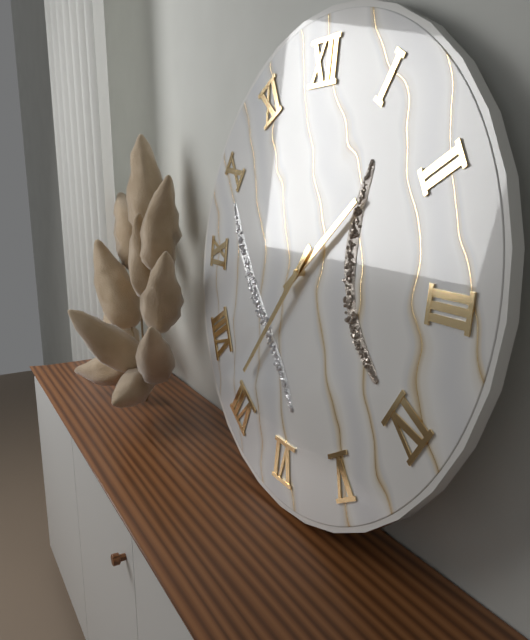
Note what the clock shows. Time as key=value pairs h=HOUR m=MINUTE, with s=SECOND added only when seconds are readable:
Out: h=1 m=36
